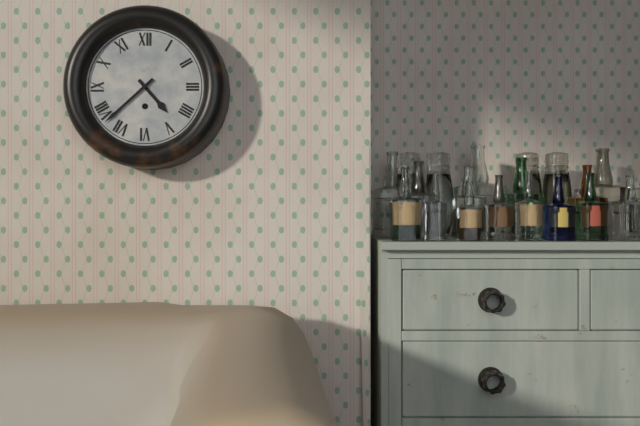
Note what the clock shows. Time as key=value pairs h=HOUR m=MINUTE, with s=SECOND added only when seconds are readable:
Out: h=4 m=38
